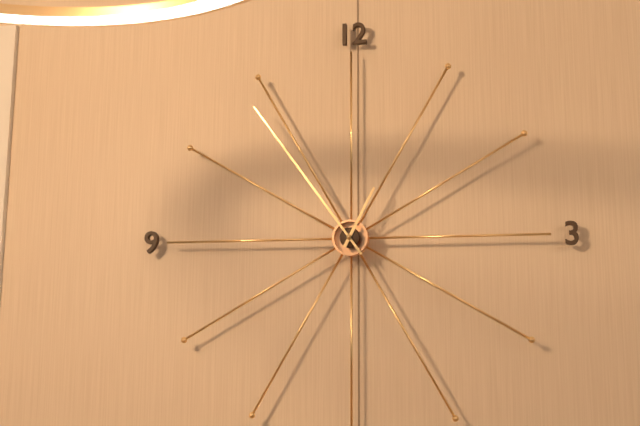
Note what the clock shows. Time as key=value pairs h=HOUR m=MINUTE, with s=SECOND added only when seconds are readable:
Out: h=12 m=54
